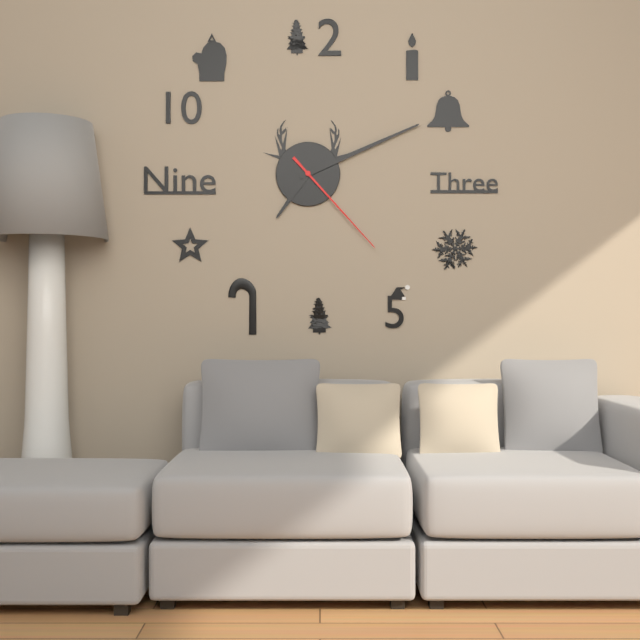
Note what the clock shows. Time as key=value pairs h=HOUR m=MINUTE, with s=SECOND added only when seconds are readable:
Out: h=7 m=11 s=23
